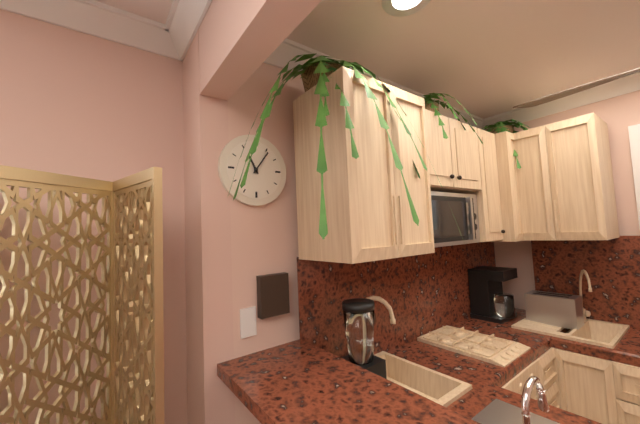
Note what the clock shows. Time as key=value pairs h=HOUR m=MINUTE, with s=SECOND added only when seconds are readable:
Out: h=11 m=6
